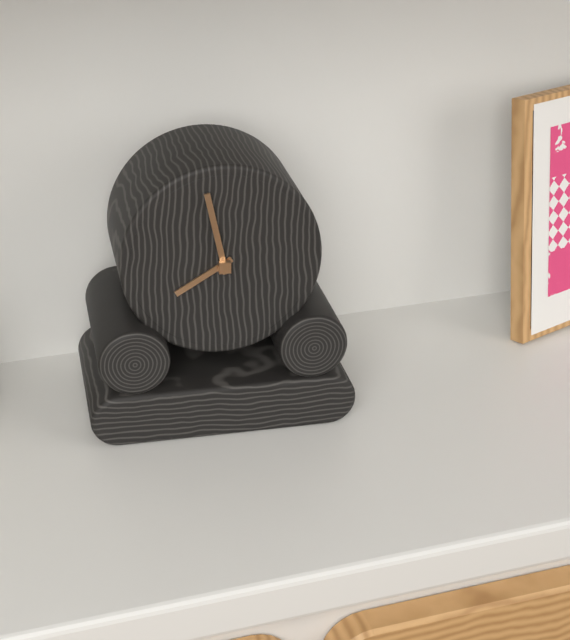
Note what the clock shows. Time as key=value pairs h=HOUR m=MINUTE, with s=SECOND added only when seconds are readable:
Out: h=7 m=58
